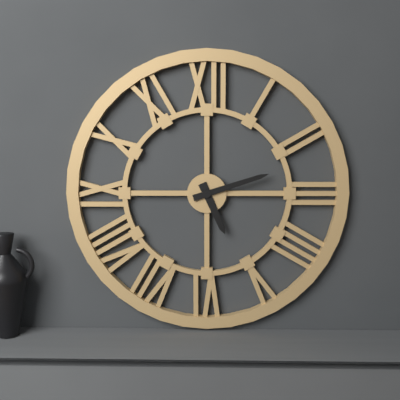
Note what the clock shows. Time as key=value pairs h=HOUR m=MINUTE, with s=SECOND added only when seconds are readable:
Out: h=5 m=12
